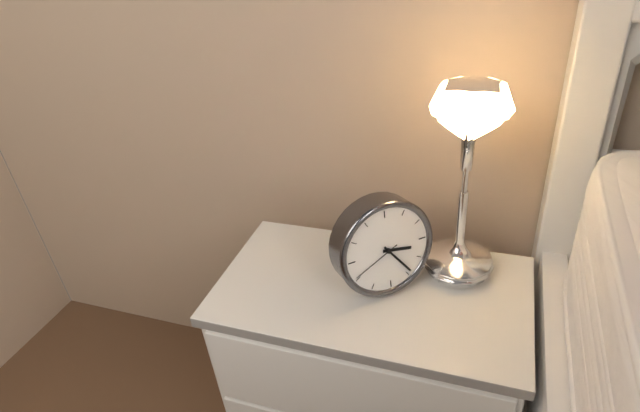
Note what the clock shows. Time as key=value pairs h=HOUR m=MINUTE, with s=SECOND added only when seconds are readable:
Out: h=3 m=24 s=41
